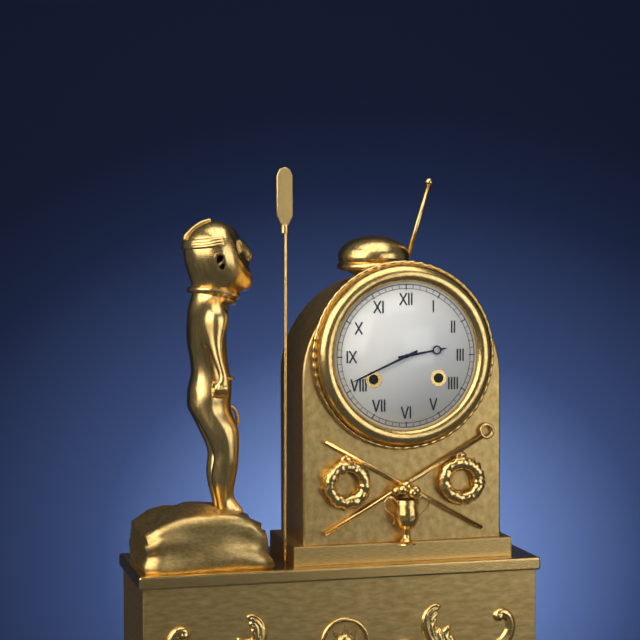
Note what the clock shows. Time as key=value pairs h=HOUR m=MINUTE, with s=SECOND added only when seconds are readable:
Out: h=2 m=41
